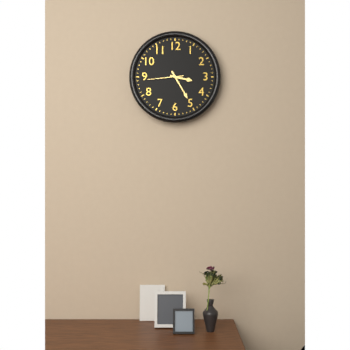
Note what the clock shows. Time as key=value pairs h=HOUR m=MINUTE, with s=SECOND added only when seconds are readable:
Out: h=3 m=25
